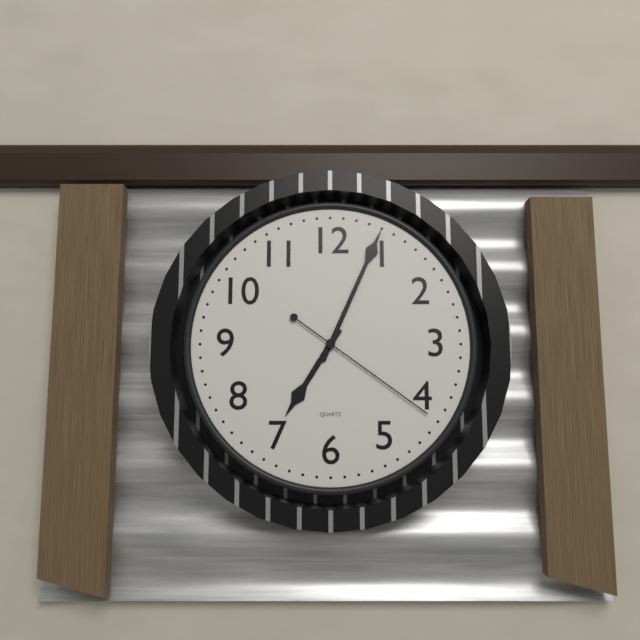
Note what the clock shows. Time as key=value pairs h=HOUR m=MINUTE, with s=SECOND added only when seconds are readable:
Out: h=7 m=4 s=21
